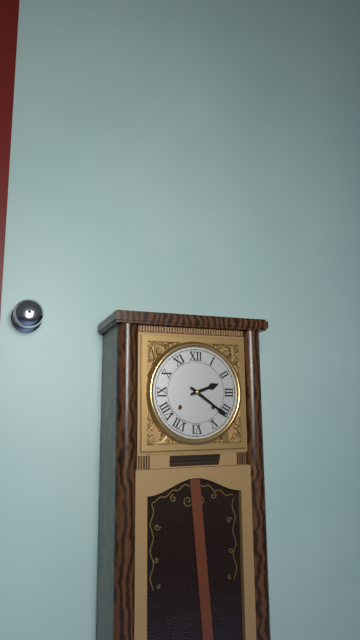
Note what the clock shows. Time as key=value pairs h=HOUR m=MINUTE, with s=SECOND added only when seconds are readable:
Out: h=2 m=21
